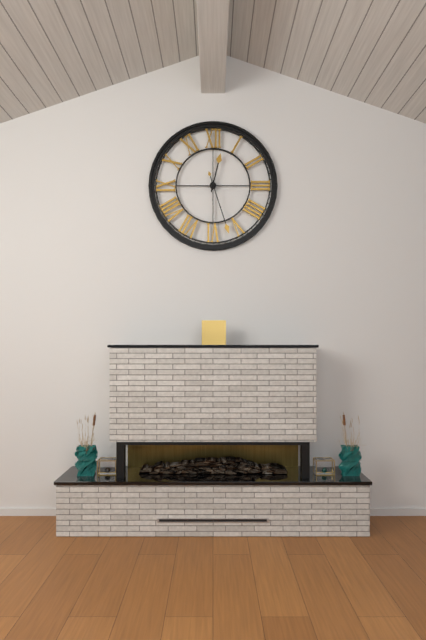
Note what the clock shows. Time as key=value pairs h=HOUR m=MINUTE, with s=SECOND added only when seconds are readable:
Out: h=12 m=27
